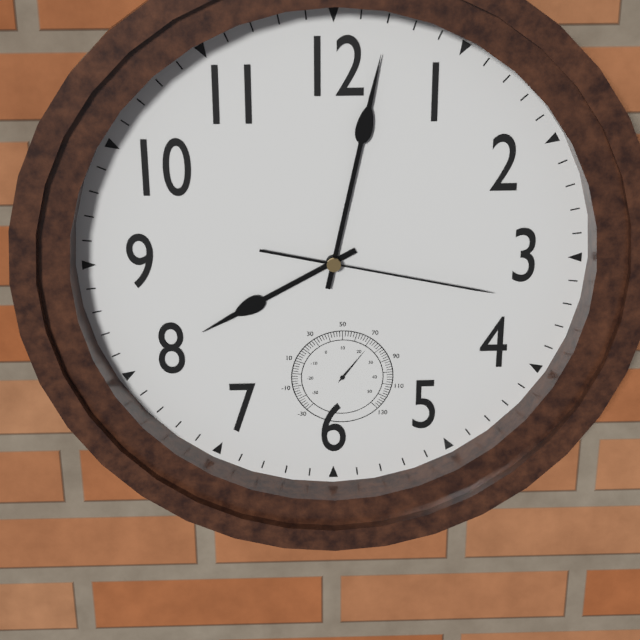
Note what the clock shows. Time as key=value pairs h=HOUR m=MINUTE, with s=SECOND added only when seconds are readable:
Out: h=8 m=2 s=17
